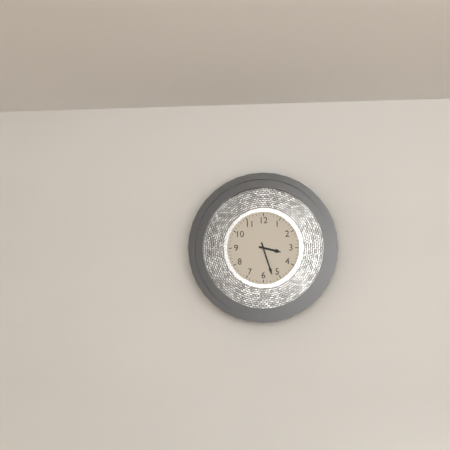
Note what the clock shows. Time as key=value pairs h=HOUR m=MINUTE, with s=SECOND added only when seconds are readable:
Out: h=3 m=27
